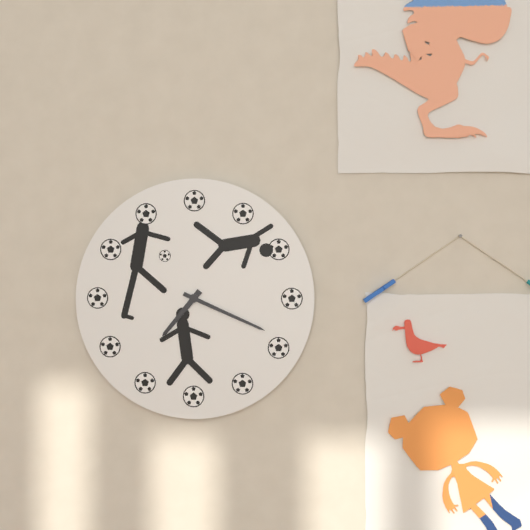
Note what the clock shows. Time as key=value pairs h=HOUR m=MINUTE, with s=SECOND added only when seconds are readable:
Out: h=7 m=19
